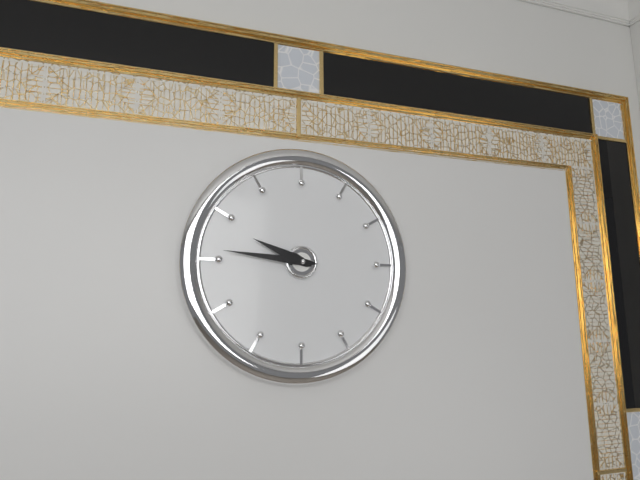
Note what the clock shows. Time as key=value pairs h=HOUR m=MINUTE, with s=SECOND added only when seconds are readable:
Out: h=9 m=46
